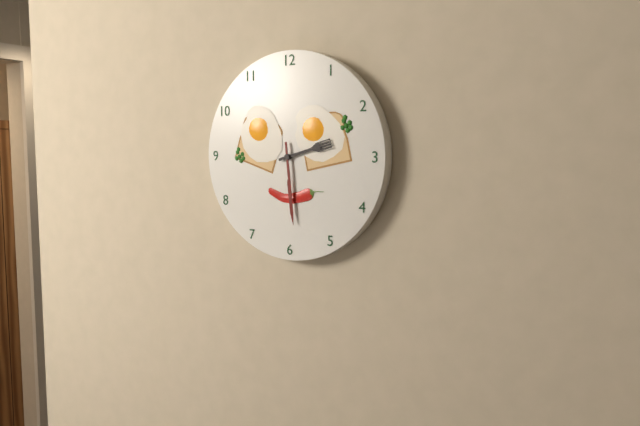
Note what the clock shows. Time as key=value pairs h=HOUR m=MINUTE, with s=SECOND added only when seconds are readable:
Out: h=2 m=29
